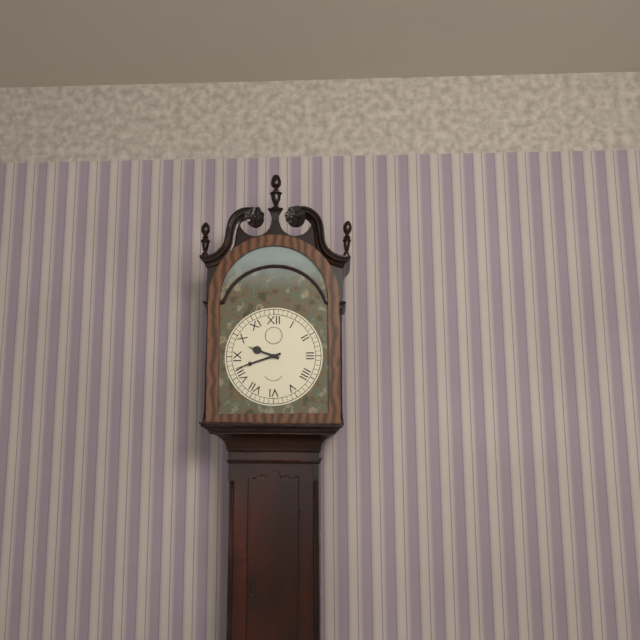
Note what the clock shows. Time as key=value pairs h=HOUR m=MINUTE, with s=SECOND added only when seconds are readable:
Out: h=9 m=42
